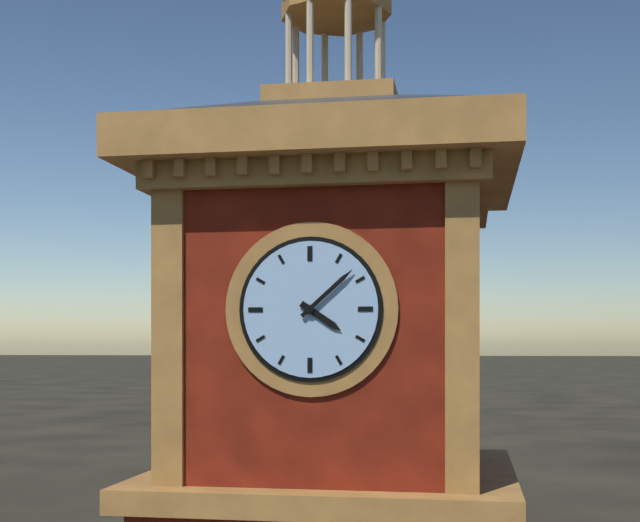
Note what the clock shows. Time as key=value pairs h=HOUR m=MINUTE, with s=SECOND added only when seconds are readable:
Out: h=4 m=8
